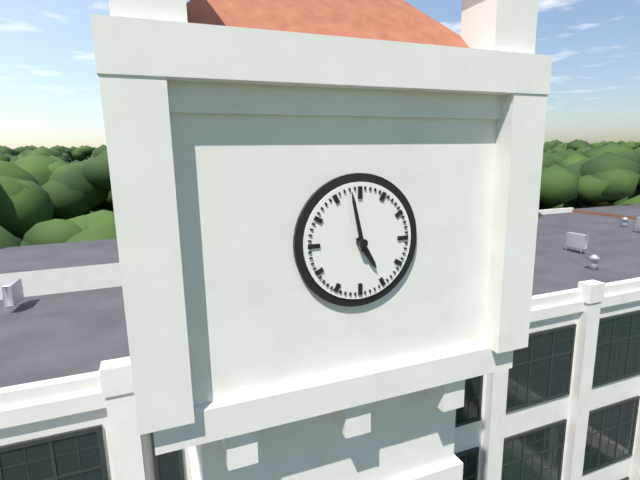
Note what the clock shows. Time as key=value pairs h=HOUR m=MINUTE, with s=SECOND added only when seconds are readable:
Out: h=4 m=58
